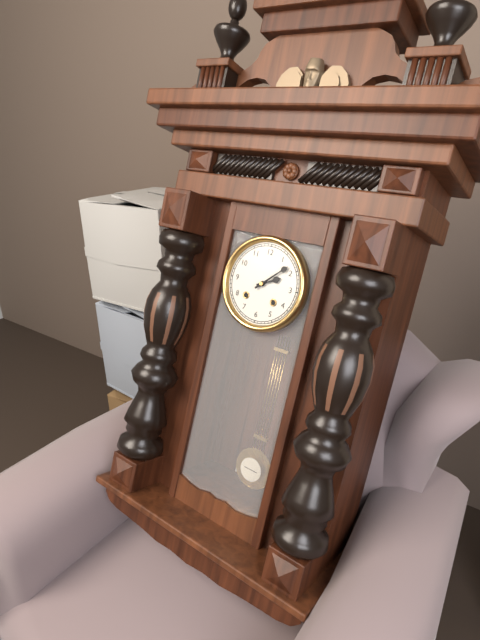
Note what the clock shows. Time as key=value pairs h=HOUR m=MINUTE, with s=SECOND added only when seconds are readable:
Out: h=2 m=8
